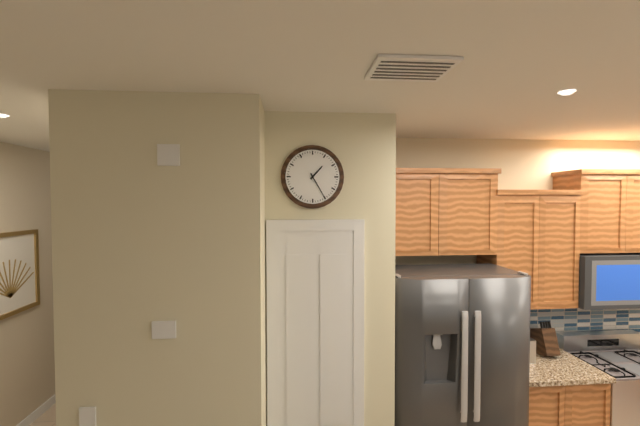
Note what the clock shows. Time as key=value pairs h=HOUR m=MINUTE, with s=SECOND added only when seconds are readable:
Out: h=1 m=25
